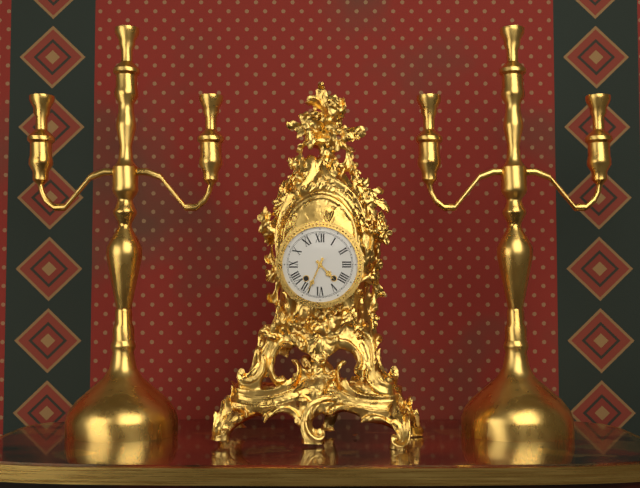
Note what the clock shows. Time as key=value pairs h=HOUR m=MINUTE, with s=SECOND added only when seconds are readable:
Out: h=4 m=34
